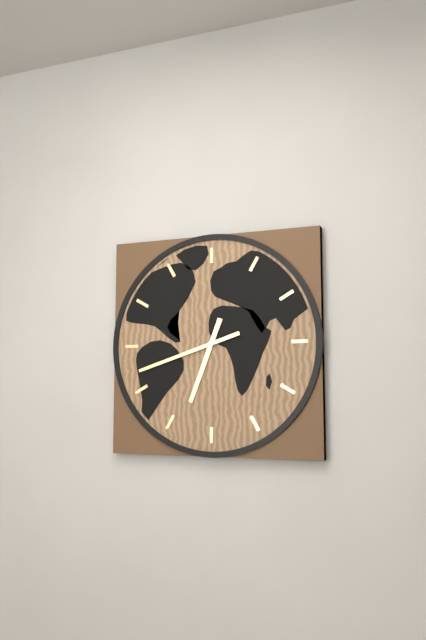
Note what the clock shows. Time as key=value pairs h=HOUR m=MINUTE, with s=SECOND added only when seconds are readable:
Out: h=6 m=42
